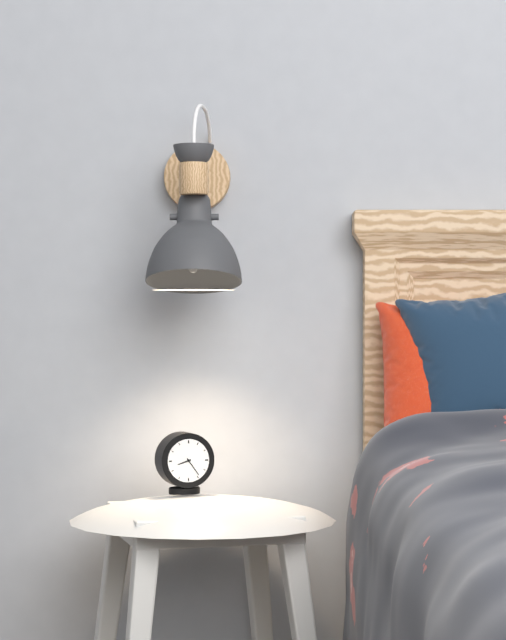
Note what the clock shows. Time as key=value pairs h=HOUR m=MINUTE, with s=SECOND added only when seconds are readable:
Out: h=8 m=24
